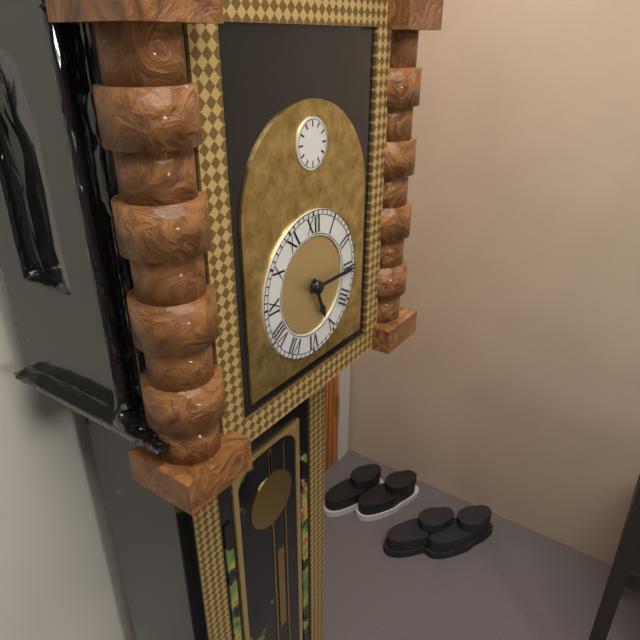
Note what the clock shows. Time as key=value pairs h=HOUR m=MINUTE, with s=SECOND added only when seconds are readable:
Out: h=5 m=15
